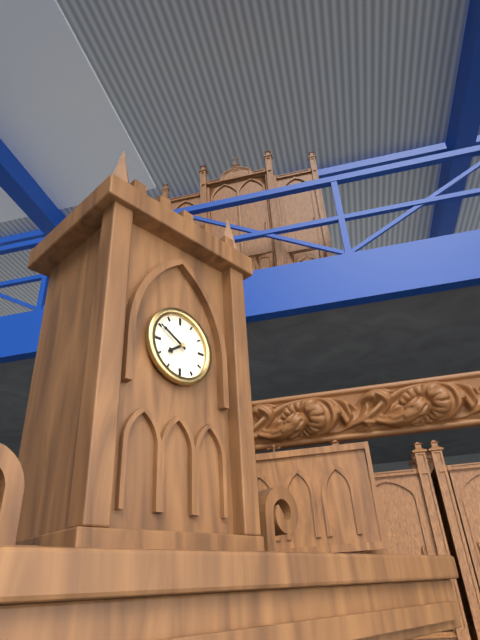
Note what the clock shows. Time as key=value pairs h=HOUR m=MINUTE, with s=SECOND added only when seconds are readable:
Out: h=7 m=50
